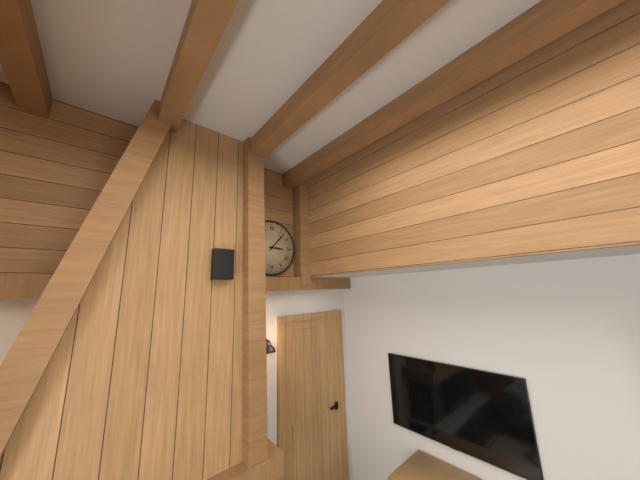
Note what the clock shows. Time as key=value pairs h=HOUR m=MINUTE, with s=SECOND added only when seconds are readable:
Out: h=3 m=7
